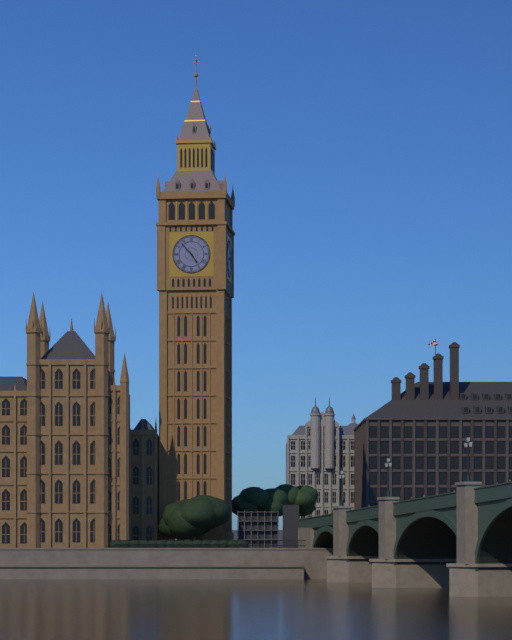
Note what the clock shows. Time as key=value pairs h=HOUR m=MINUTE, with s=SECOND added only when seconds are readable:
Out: h=4 m=53
